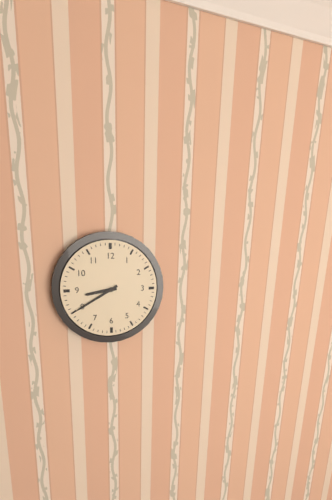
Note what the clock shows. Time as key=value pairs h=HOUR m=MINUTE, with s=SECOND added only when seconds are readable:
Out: h=8 m=40
